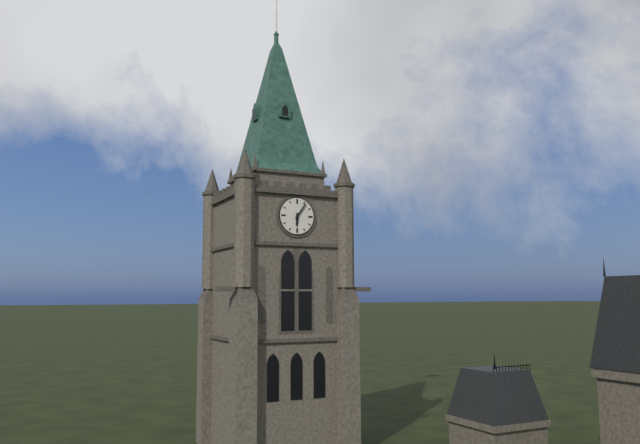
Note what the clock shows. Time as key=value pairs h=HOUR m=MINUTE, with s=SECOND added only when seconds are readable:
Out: h=6 m=6
